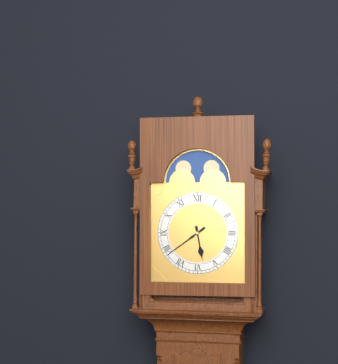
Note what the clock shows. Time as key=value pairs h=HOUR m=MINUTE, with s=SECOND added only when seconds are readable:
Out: h=5 m=39
